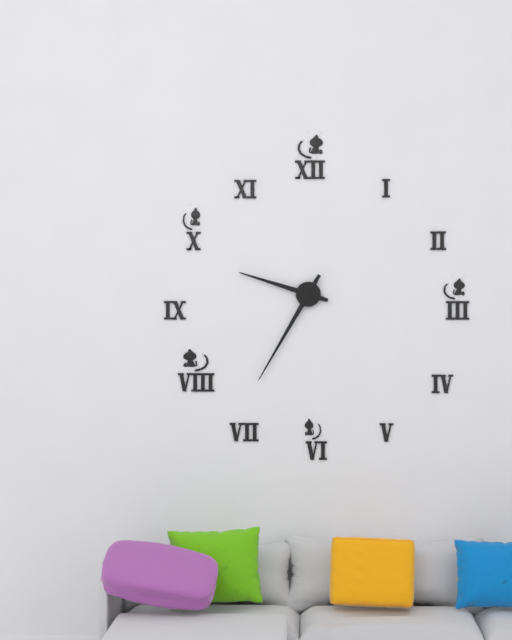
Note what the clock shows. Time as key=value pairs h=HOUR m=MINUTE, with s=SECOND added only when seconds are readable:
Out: h=9 m=35
